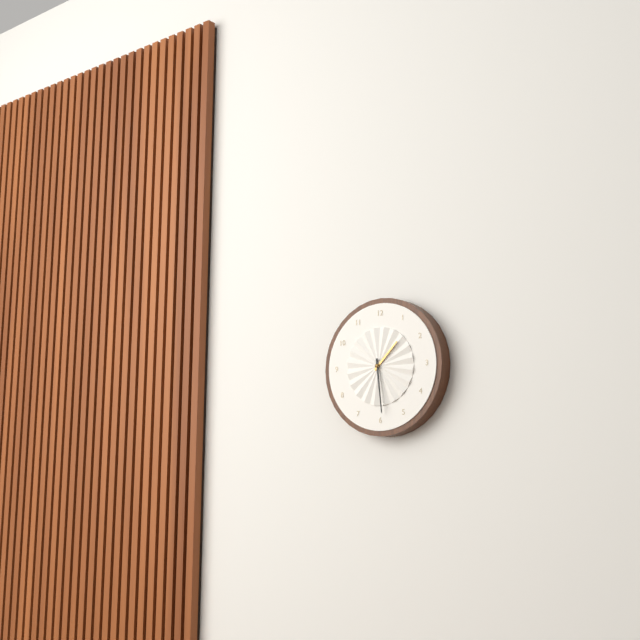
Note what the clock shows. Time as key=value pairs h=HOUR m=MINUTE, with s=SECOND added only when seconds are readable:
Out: h=1 m=29
